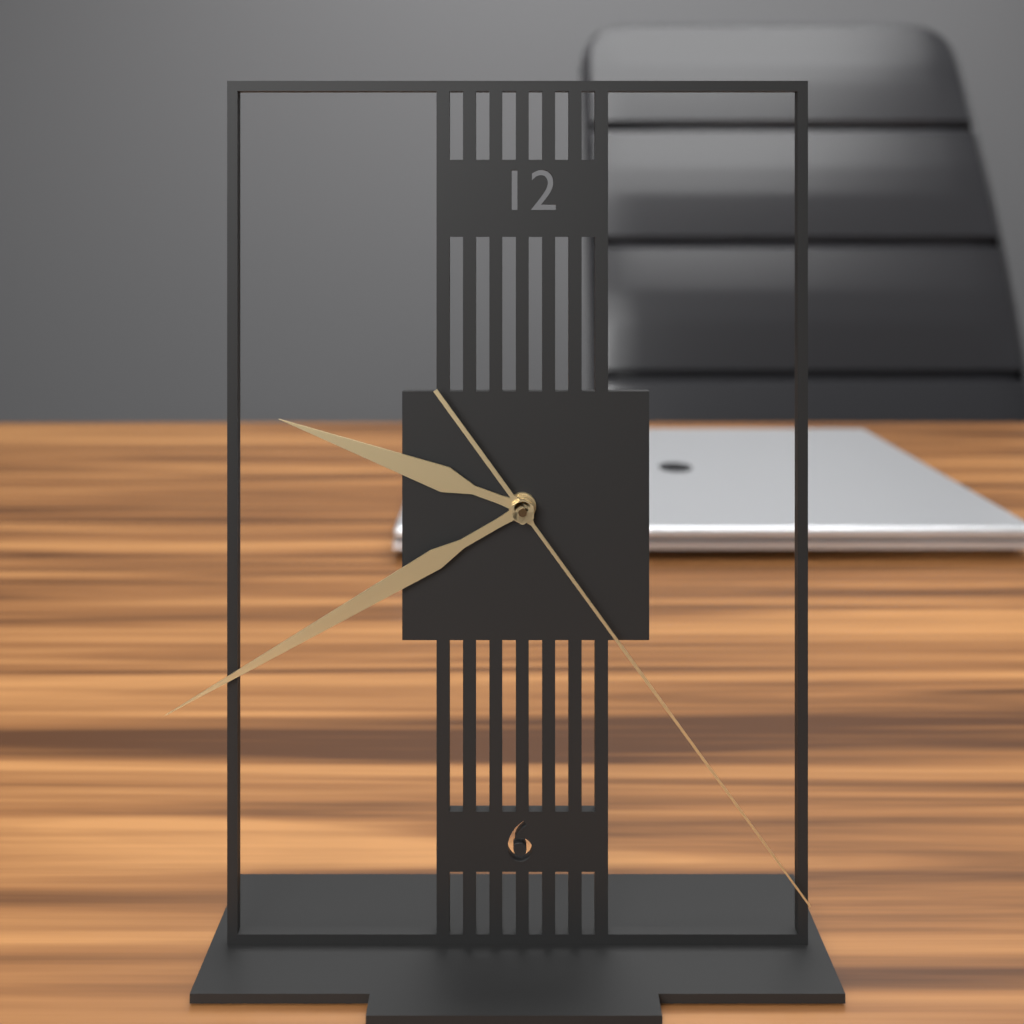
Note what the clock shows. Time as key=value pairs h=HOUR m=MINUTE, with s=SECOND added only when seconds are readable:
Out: h=9 m=40 s=24
